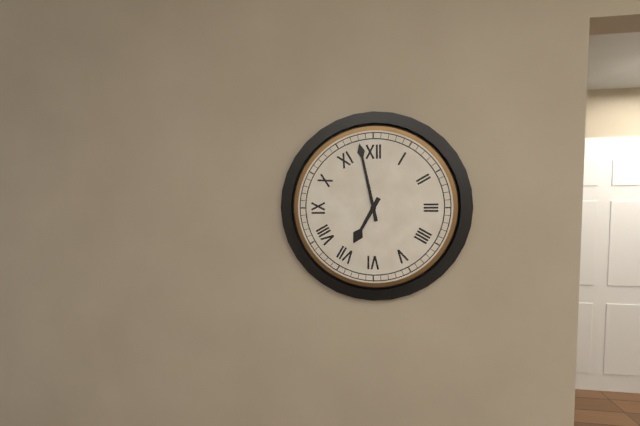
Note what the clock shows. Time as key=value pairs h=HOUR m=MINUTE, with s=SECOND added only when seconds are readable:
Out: h=6 m=58
